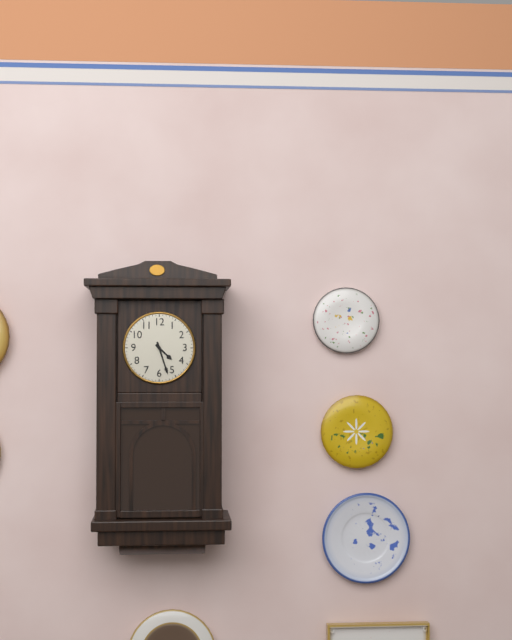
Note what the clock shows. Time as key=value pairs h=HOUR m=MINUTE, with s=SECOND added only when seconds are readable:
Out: h=4 m=27
